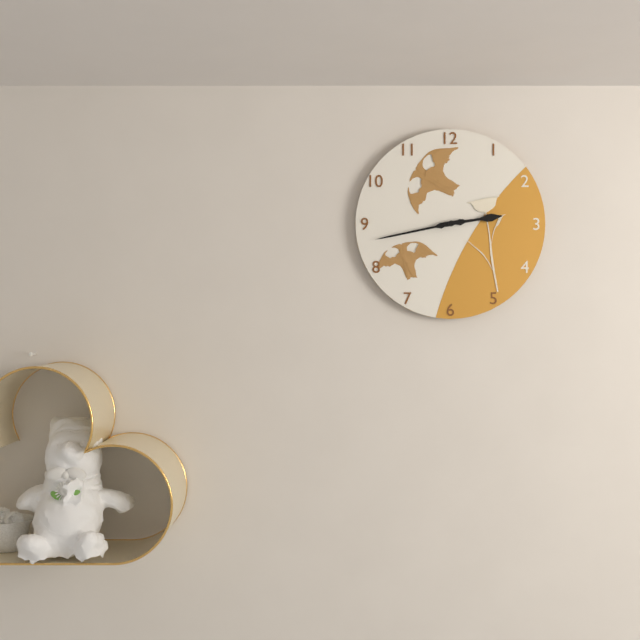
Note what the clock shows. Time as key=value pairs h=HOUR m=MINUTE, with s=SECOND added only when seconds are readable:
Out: h=2 m=43
